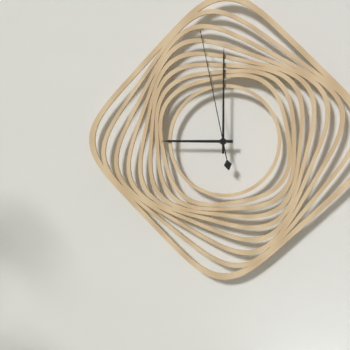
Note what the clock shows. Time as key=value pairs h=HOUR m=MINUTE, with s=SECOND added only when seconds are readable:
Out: h=9 m=0 s=58
